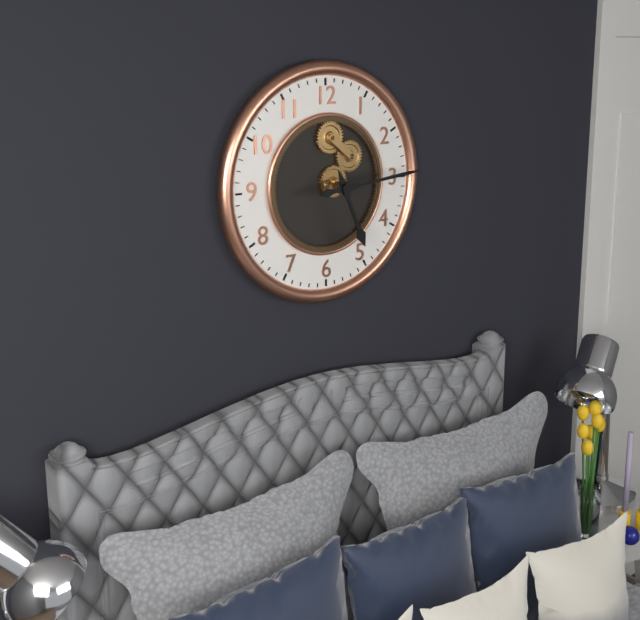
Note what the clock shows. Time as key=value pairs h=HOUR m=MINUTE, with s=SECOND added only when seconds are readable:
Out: h=5 m=14
